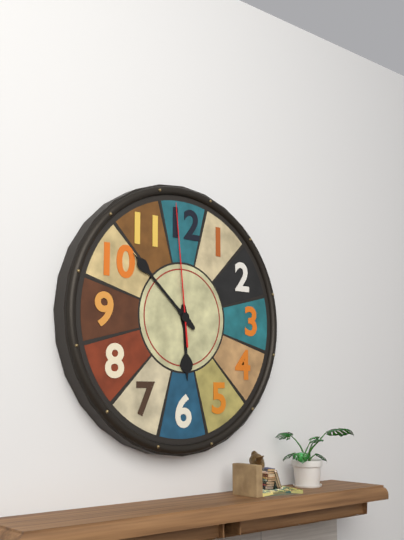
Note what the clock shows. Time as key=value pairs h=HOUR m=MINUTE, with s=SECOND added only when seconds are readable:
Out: h=5 m=52 s=59
